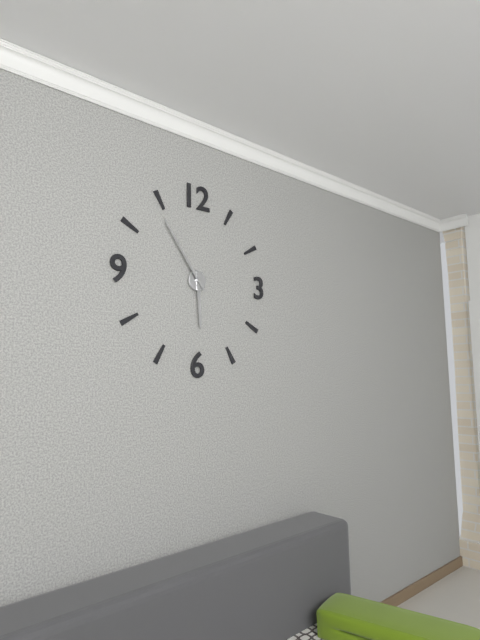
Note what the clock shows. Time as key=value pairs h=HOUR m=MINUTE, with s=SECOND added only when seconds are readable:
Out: h=5 m=54
